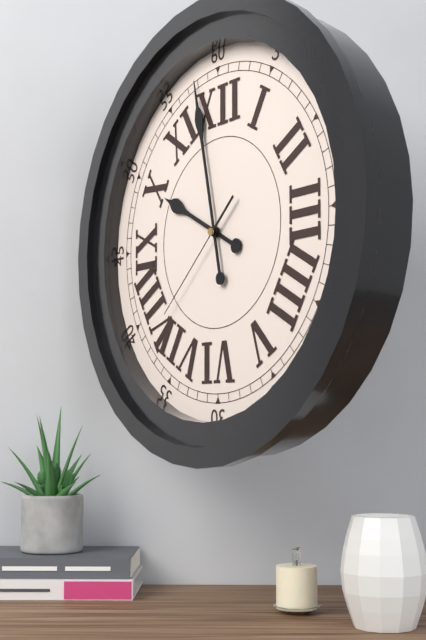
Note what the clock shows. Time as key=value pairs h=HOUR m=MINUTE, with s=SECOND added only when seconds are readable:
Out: h=9 m=58 s=38
